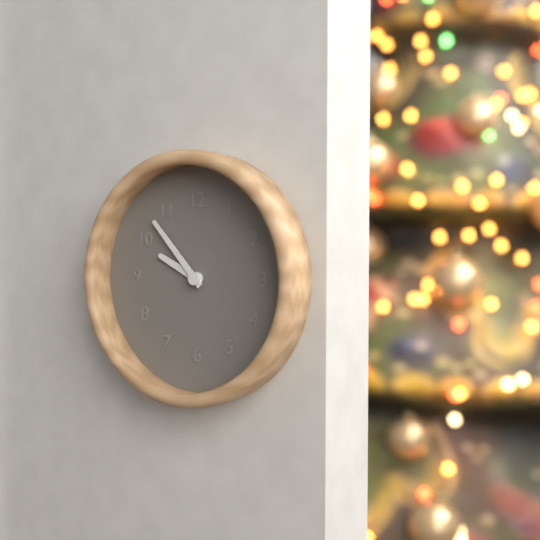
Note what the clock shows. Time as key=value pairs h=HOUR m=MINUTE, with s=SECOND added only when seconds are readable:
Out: h=9 m=53
